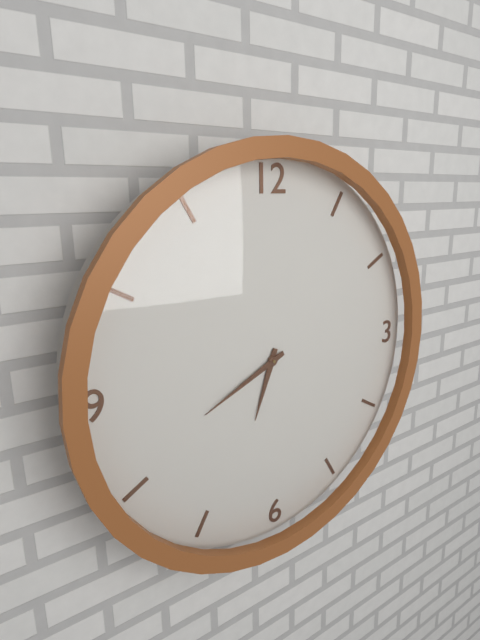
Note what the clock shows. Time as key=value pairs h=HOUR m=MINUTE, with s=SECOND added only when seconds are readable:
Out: h=6 m=41
